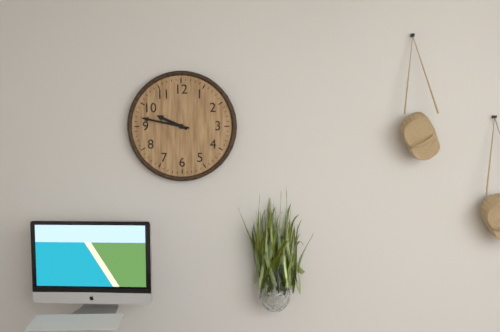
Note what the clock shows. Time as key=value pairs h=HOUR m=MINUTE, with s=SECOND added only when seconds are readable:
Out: h=9 m=47
